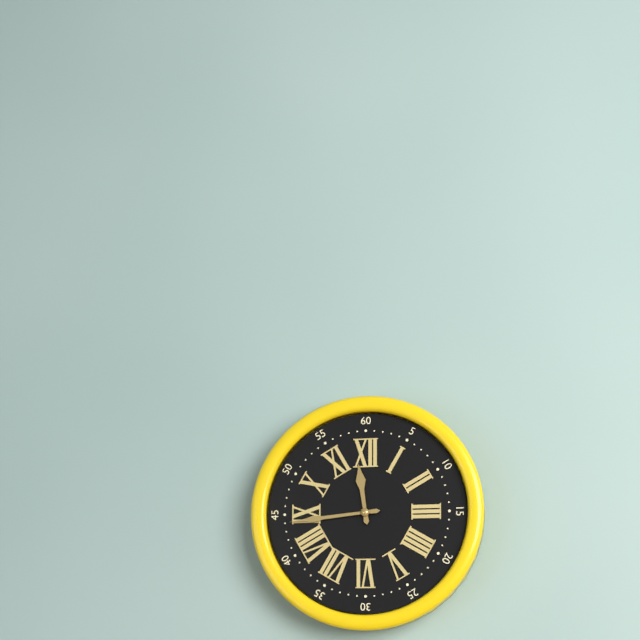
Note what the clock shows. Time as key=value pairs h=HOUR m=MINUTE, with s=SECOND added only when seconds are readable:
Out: h=11 m=44
